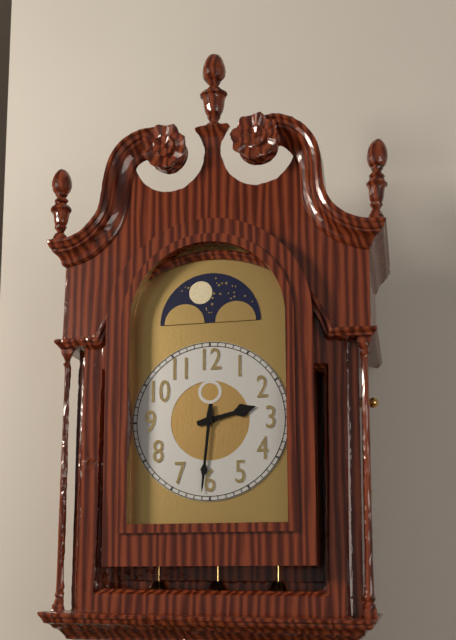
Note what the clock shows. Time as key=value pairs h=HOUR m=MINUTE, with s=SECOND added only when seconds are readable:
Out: h=2 m=31
